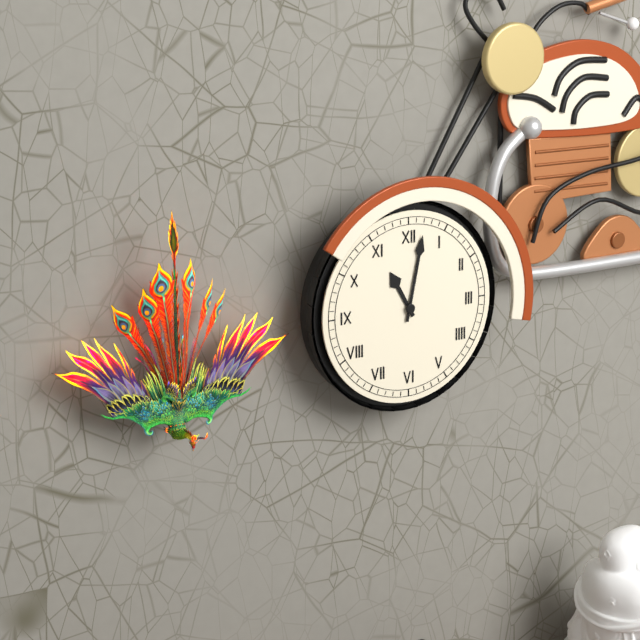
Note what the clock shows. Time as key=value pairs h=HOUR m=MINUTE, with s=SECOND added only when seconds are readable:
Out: h=11 m=2
